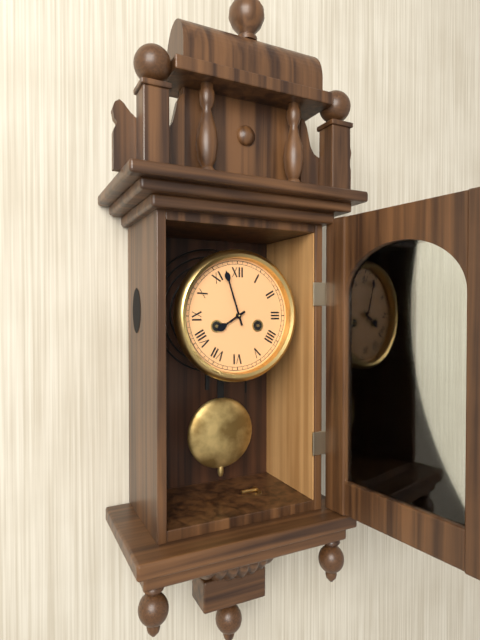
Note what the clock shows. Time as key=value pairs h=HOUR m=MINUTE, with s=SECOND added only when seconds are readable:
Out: h=7 m=57
